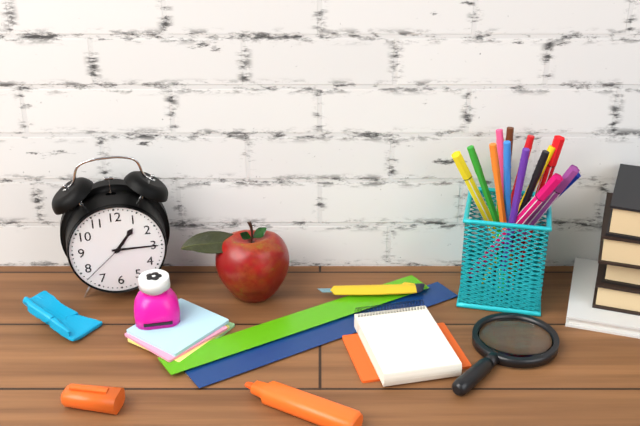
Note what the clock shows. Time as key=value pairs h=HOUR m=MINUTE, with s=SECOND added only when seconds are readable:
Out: h=1 m=15 s=38
